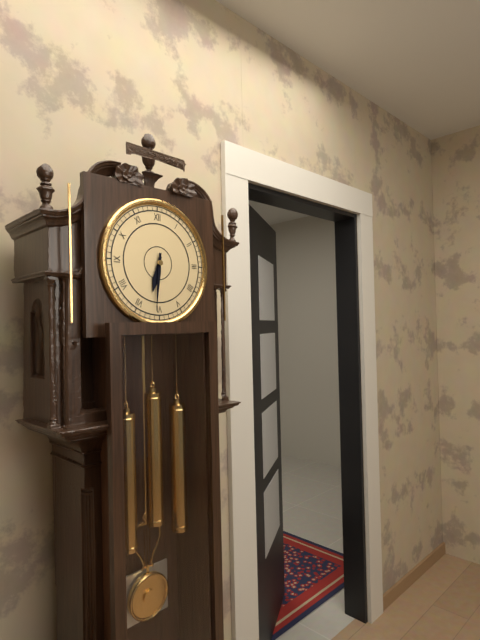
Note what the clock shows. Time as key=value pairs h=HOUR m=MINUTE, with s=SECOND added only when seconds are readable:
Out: h=6 m=31
